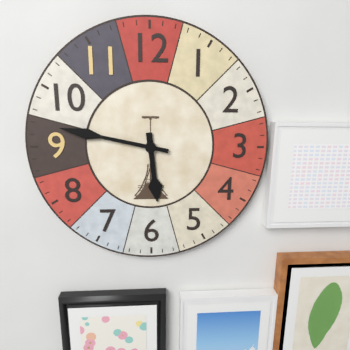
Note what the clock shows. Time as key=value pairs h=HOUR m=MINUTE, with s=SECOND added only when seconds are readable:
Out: h=5 m=47
